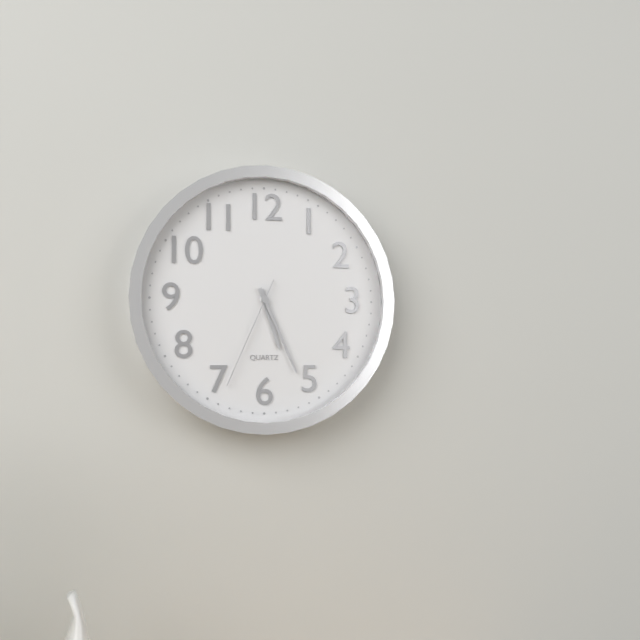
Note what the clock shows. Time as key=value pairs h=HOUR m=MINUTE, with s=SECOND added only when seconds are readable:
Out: h=5 m=26 s=34
